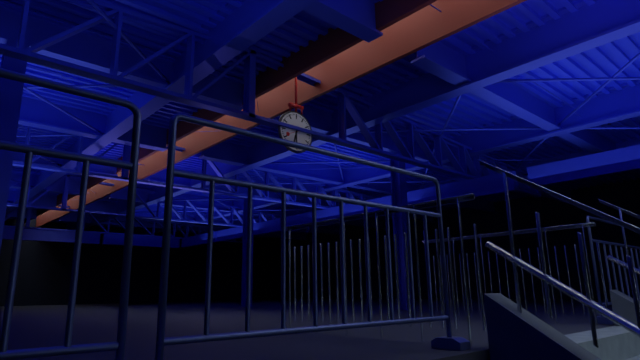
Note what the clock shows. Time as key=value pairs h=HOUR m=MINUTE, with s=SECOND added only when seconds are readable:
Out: h=6 m=30
